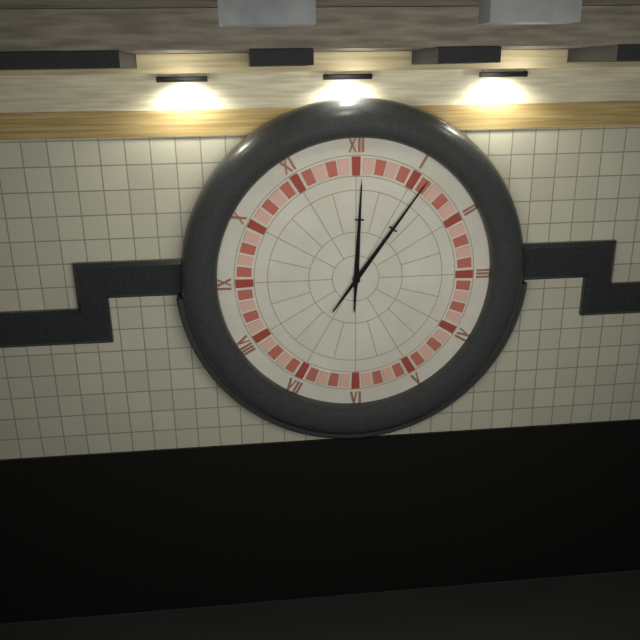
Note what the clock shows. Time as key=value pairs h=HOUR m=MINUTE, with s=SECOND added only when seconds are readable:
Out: h=12 m=6
